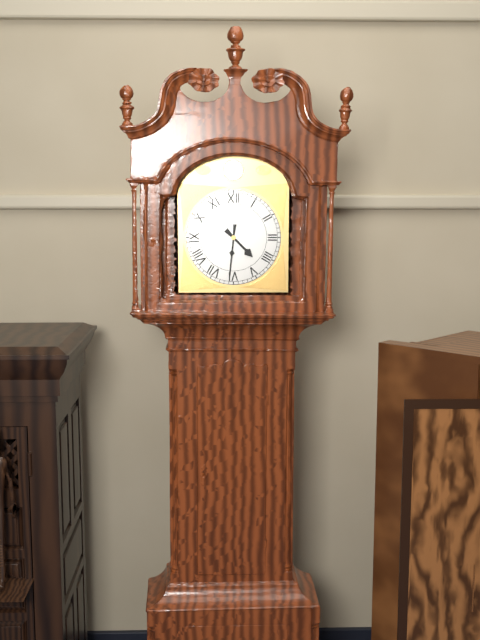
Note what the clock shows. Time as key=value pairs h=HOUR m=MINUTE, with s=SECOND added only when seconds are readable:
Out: h=4 m=31
